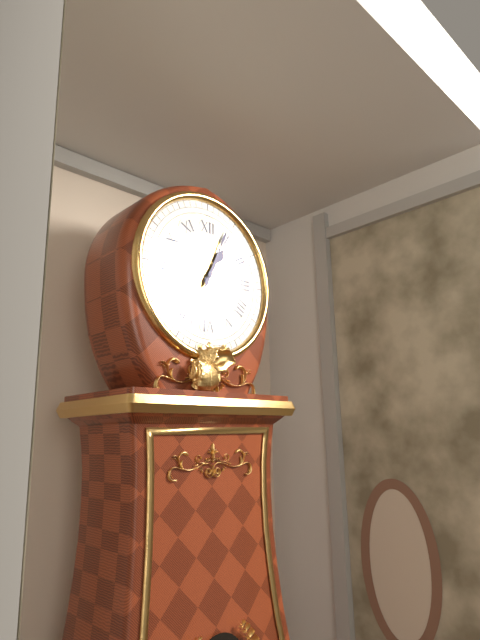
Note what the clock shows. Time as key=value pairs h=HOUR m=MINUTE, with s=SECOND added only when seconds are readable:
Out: h=1 m=4
